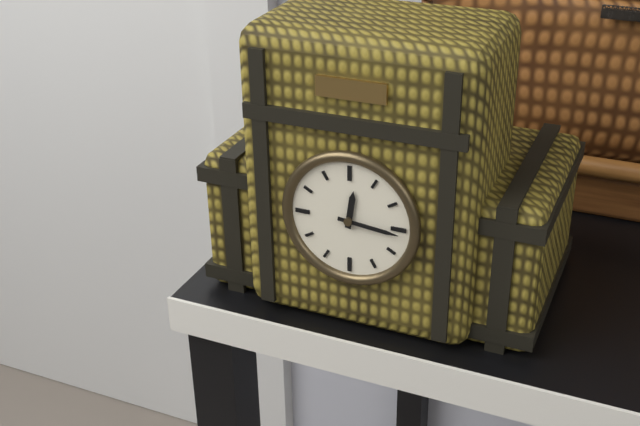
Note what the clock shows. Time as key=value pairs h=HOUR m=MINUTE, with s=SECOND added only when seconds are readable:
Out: h=12 m=16
